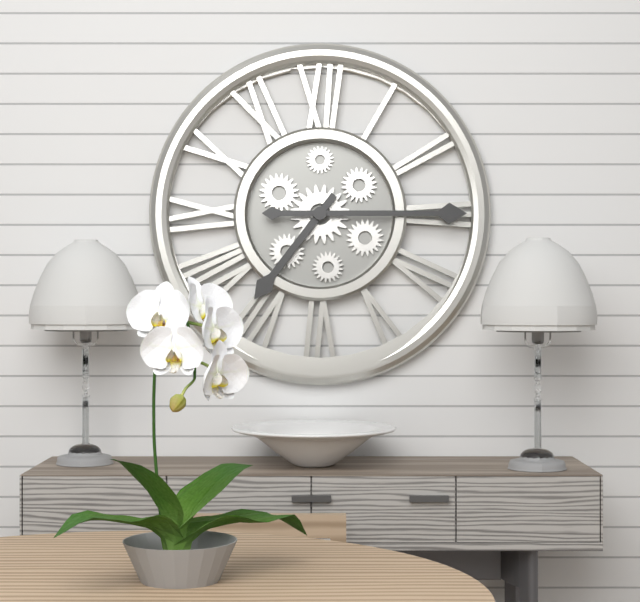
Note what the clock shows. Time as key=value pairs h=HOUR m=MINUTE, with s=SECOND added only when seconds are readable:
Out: h=7 m=15
